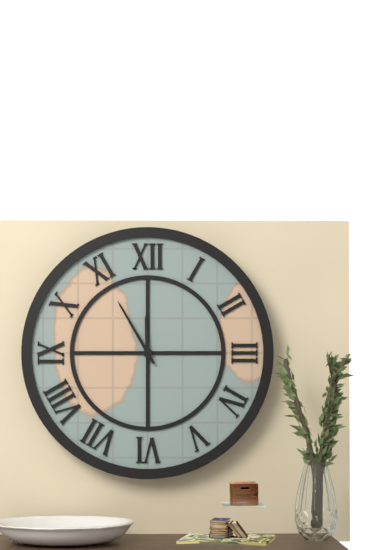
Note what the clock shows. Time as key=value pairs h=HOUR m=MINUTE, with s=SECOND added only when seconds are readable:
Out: h=11 m=55
